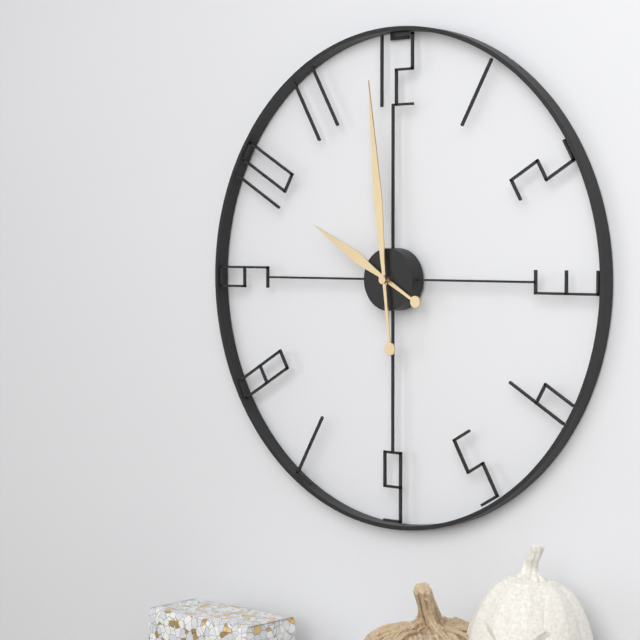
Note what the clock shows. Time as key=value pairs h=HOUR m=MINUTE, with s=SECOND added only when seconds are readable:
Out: h=9 m=59
